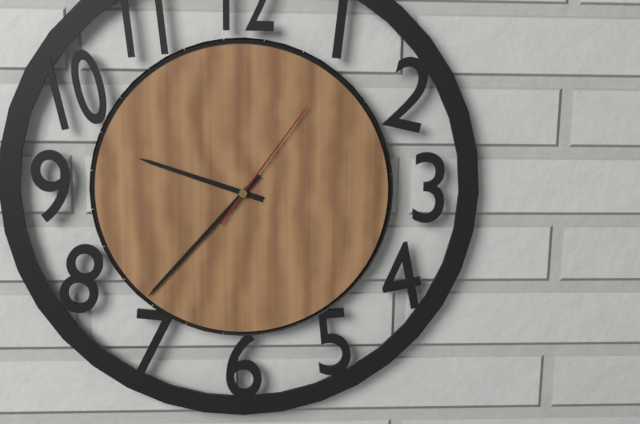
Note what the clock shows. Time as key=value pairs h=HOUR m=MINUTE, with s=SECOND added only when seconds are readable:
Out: h=9 m=37 s=6
